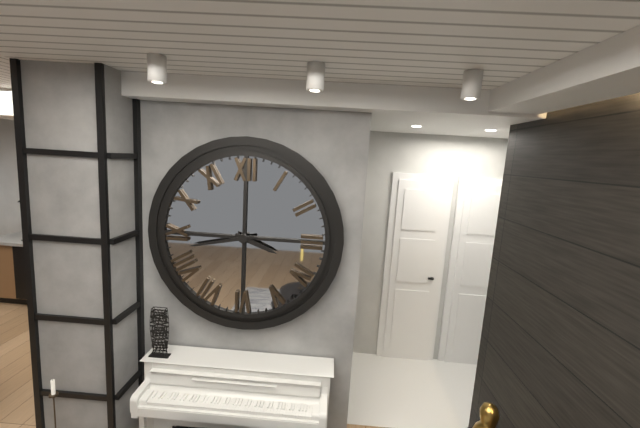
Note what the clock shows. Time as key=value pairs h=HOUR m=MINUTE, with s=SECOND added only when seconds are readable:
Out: h=3 m=43
